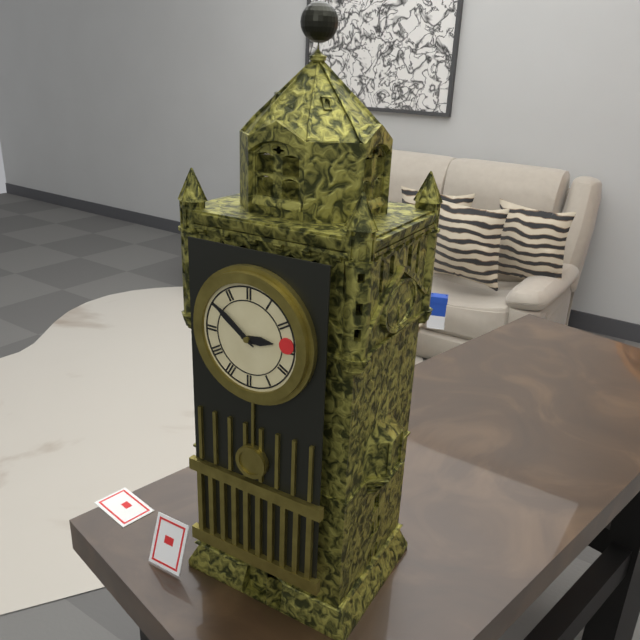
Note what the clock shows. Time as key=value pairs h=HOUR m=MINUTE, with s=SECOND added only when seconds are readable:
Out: h=2 m=51
